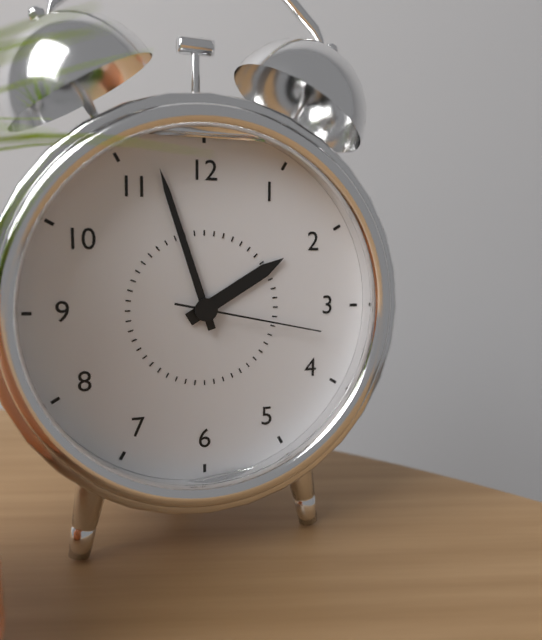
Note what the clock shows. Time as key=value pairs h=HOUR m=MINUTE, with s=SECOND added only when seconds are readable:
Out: h=1 m=57 s=17
